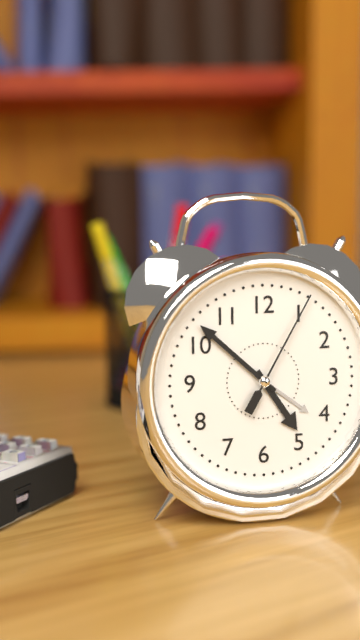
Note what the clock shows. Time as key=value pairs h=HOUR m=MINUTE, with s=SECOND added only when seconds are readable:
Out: h=4 m=52 s=5
